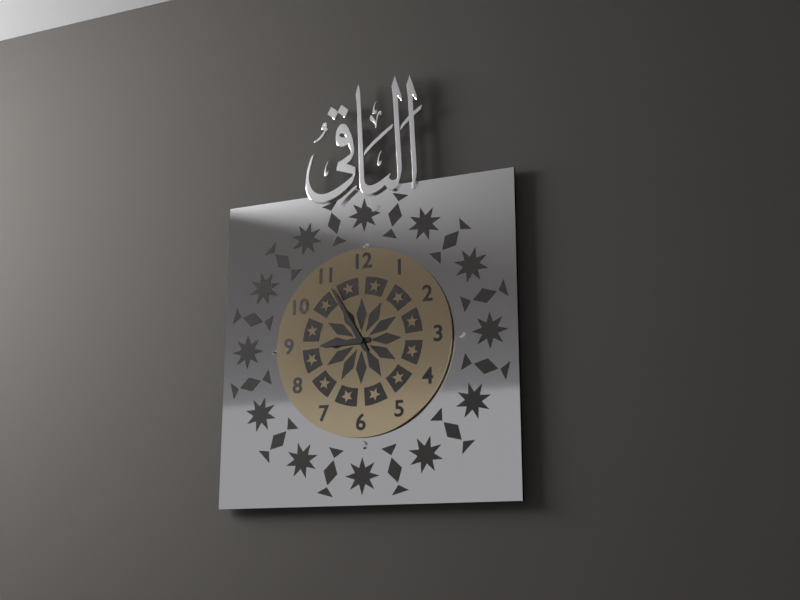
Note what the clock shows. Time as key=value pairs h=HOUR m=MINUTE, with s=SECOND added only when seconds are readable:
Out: h=8 m=55
